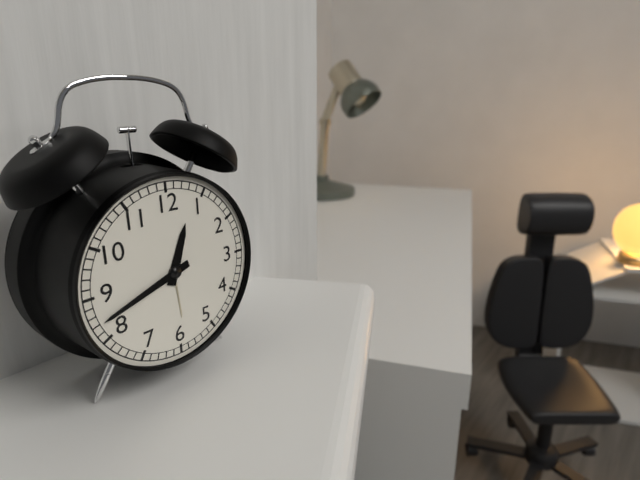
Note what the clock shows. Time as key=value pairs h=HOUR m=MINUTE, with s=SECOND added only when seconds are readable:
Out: h=12 m=42
